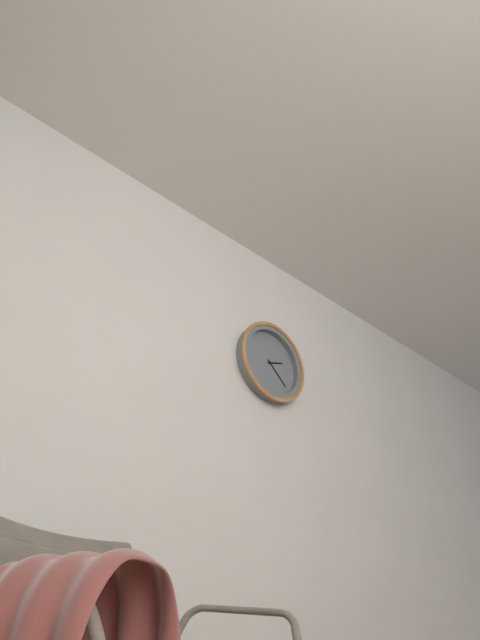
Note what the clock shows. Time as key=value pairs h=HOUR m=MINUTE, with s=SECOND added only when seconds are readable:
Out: h=2 m=22
